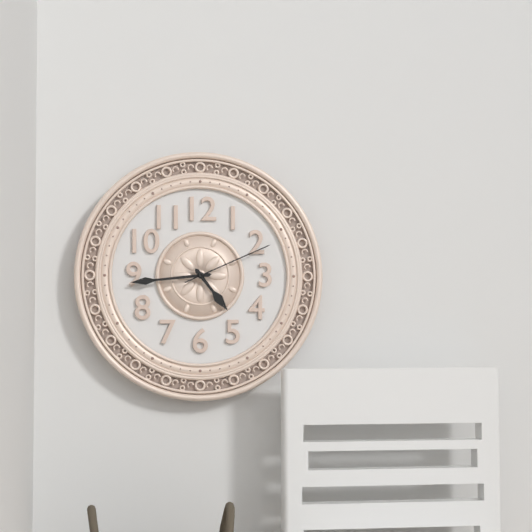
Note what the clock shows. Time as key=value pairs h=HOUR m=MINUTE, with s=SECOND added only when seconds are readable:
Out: h=4 m=44 s=11
